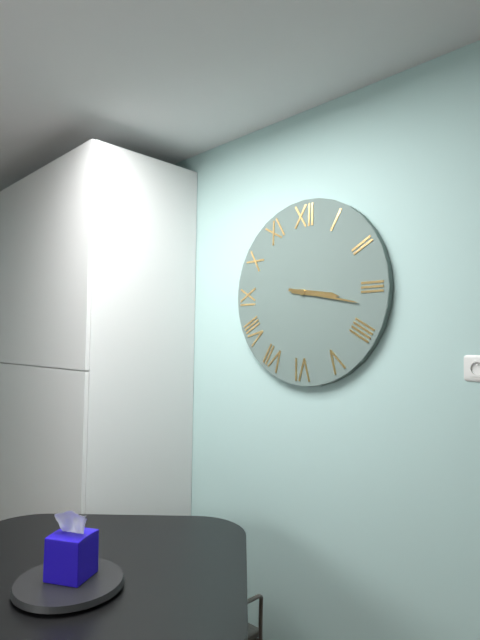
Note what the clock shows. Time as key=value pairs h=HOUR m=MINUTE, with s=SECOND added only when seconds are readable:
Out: h=3 m=17
